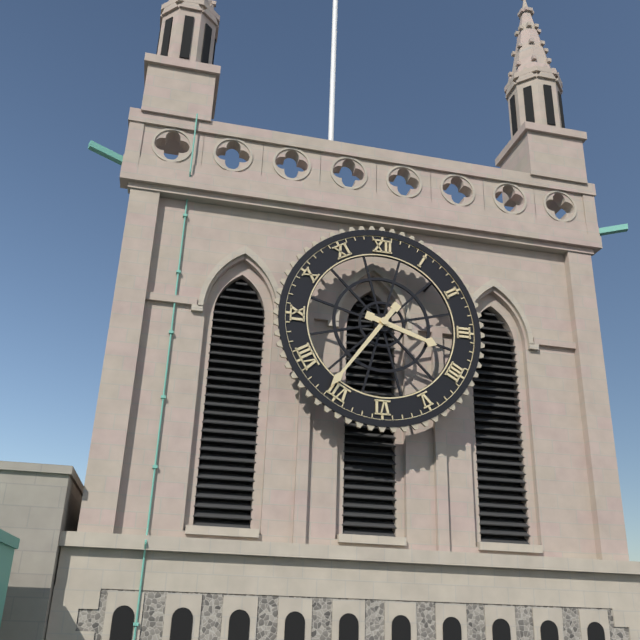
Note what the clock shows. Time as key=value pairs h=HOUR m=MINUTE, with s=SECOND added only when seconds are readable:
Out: h=3 m=36
